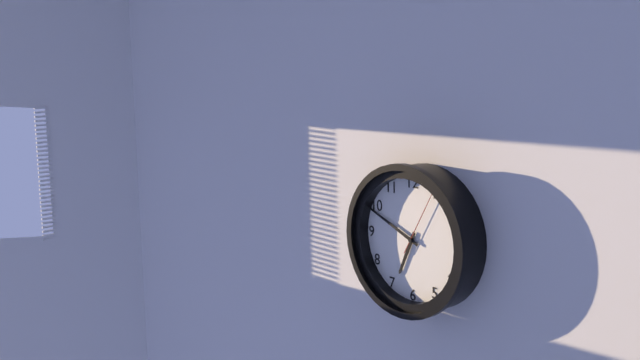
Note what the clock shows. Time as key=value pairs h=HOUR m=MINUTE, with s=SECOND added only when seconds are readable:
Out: h=6 m=49 s=5
